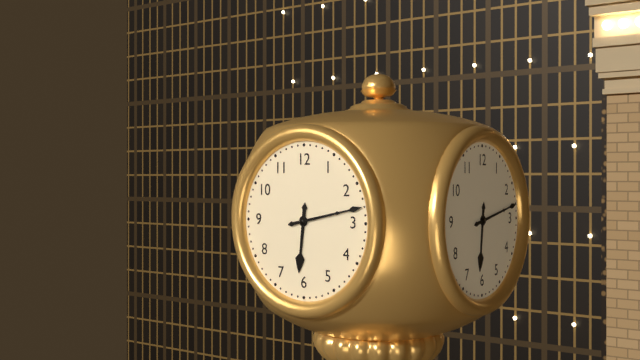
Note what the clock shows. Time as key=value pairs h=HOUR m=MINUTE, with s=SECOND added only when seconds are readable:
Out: h=6 m=13
